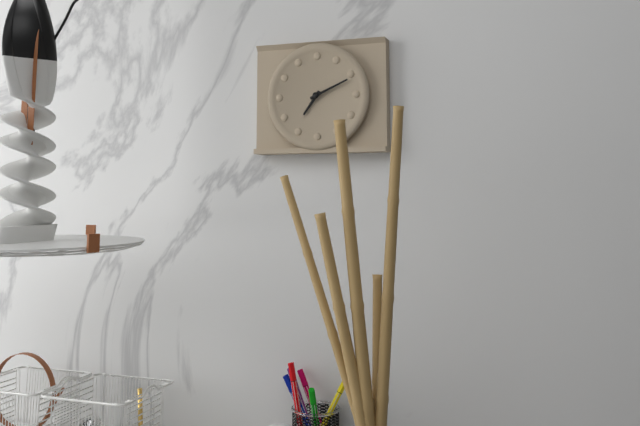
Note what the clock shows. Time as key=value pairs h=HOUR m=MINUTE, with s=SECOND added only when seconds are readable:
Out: h=7 m=11
